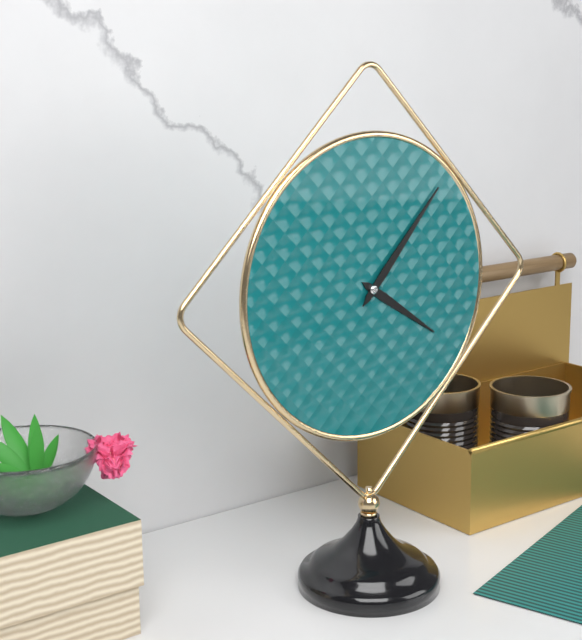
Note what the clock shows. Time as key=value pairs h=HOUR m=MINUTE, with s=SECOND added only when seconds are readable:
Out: h=4 m=7
